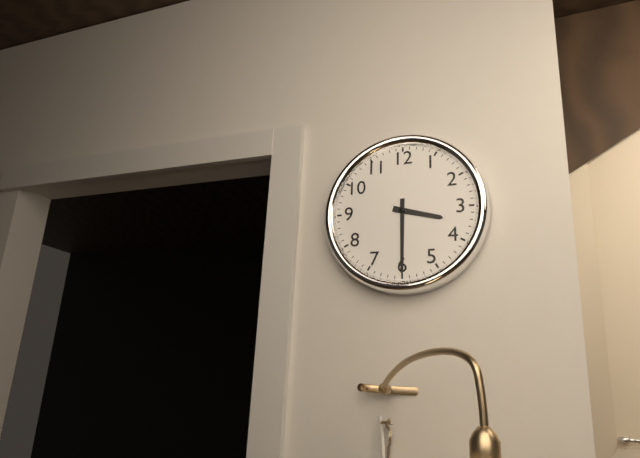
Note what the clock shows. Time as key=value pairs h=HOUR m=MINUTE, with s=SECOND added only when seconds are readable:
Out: h=3 m=30
